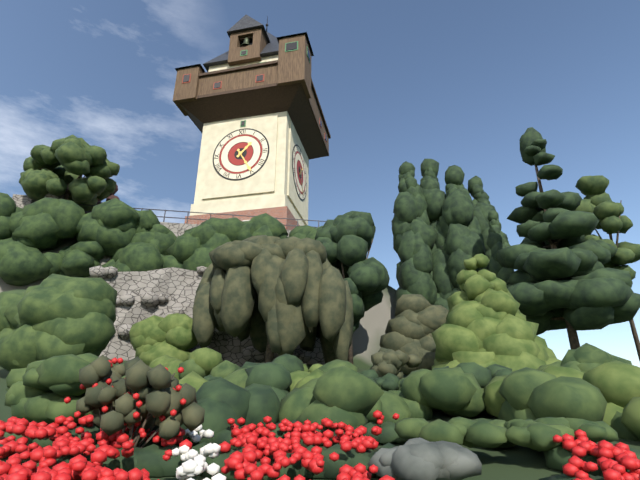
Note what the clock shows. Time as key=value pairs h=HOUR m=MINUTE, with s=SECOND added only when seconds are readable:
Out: h=1 m=25
